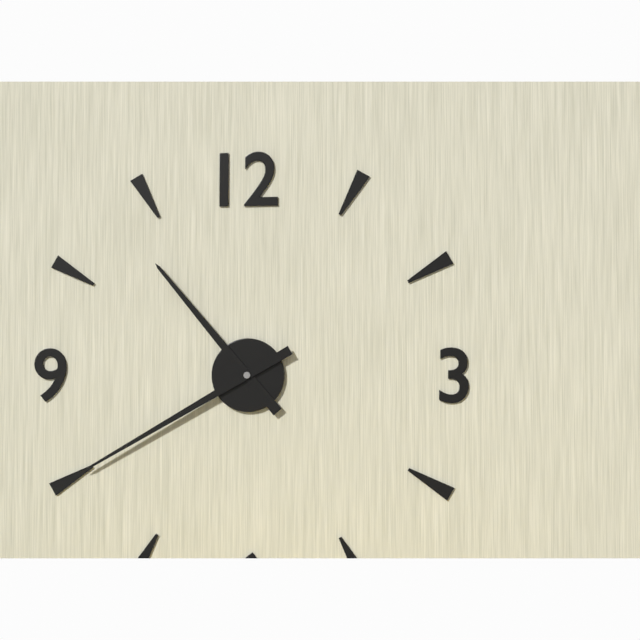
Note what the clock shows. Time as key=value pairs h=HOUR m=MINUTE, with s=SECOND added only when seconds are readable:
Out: h=10 m=40
